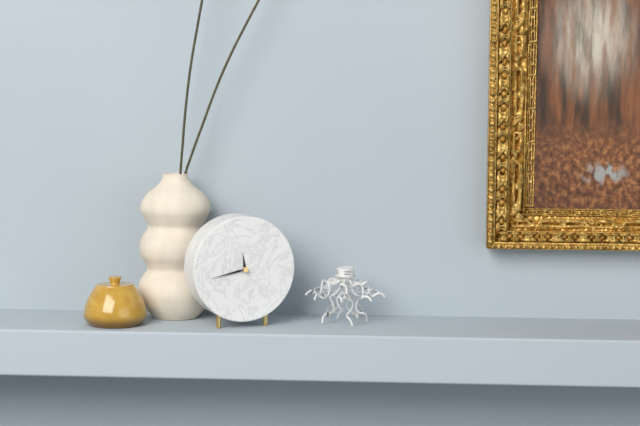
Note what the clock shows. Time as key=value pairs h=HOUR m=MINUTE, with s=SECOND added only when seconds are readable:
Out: h=11 m=43
